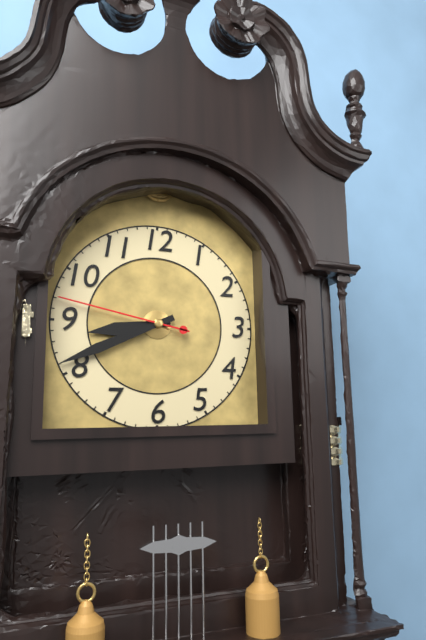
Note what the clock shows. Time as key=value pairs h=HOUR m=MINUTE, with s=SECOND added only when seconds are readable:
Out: h=8 m=41 s=47
